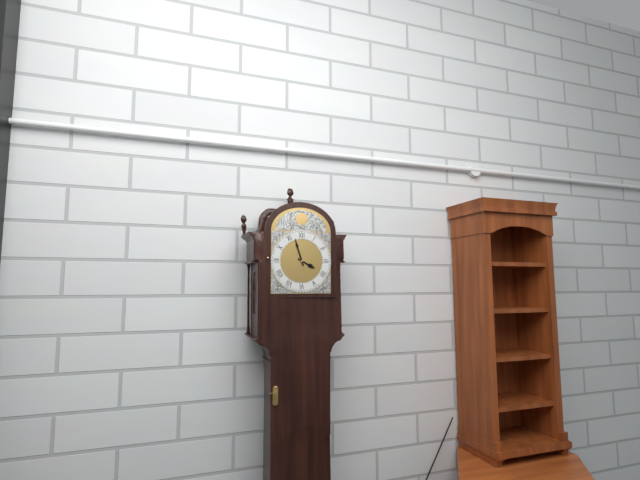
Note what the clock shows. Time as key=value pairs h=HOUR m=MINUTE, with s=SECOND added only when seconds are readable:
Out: h=3 m=57
